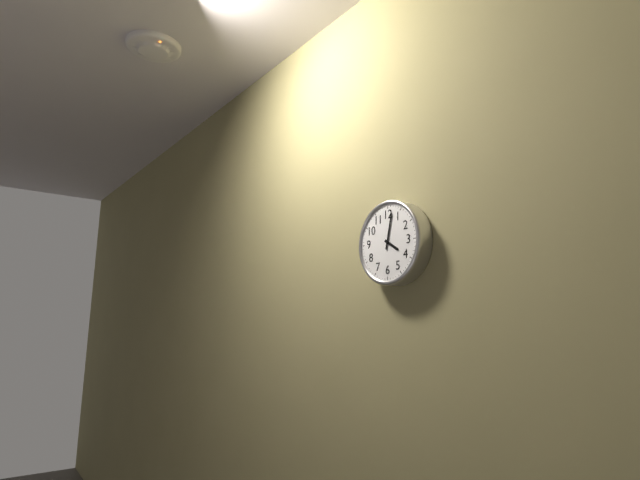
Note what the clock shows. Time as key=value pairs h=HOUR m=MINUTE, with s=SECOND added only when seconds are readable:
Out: h=4 m=2
